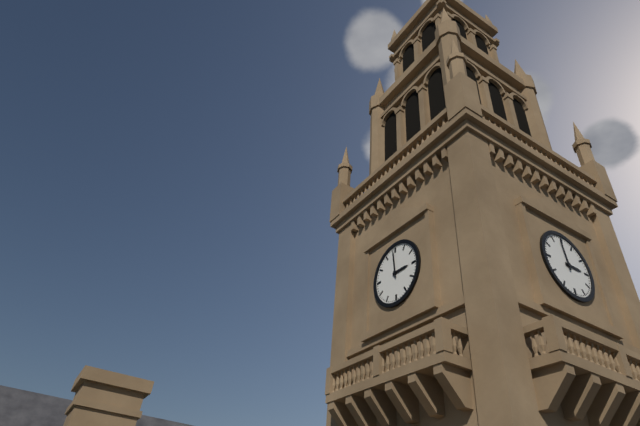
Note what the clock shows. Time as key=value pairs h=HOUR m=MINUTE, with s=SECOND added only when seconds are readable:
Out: h=2 m=59
